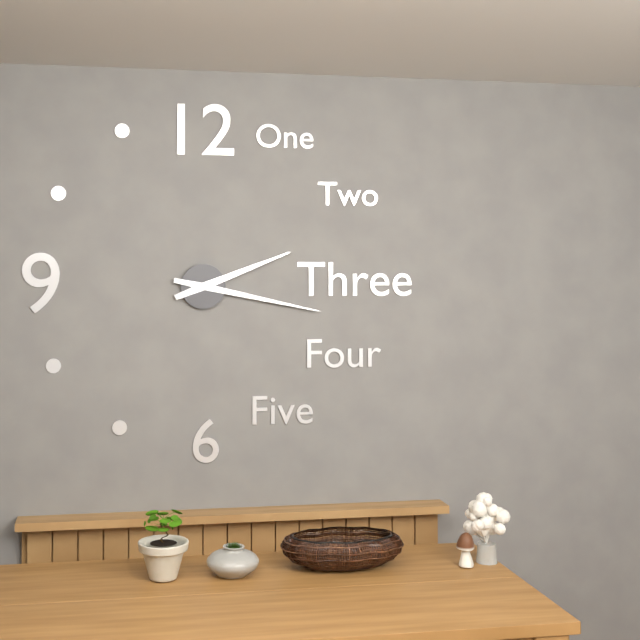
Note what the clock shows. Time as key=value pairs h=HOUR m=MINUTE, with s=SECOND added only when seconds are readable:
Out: h=2 m=17
